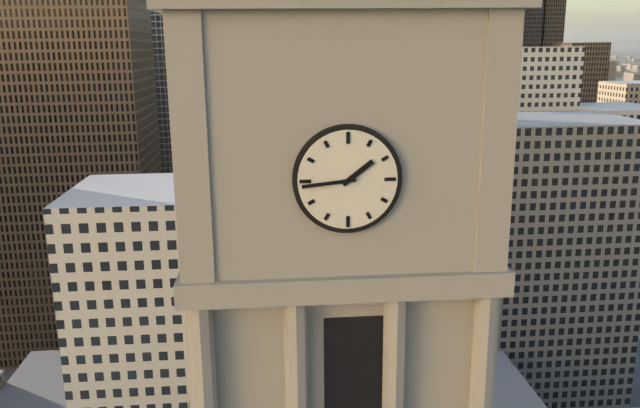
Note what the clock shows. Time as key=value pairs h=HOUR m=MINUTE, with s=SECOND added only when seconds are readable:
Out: h=1 m=44
